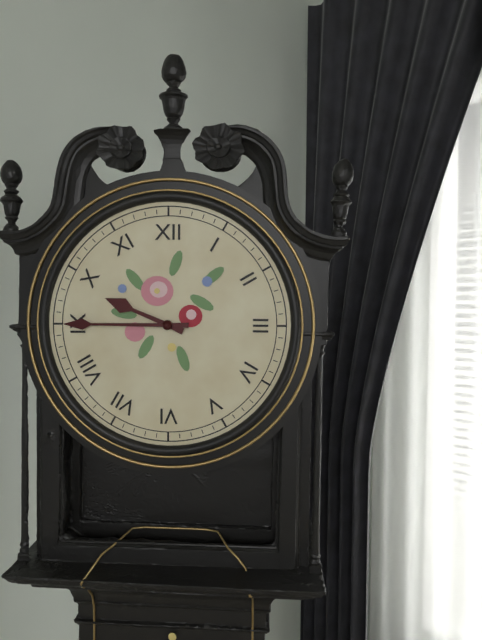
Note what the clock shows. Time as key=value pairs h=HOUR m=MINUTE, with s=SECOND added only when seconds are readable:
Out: h=9 m=45
